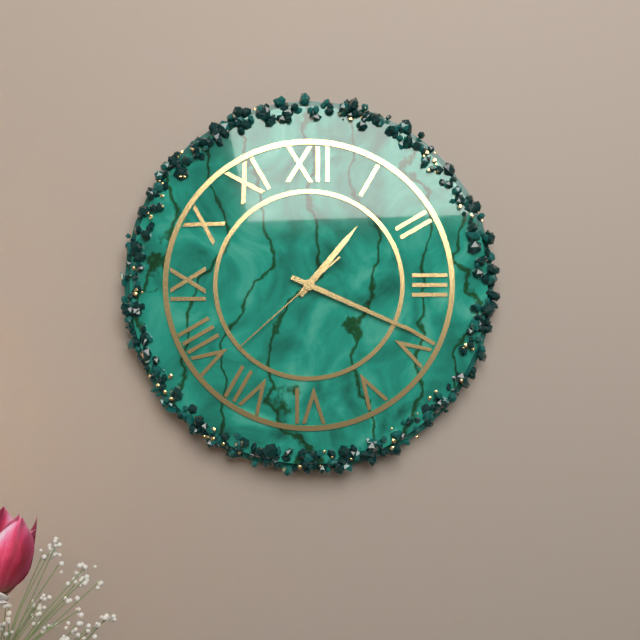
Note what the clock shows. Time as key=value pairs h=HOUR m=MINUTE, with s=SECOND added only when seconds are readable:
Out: h=1 m=19 s=38
